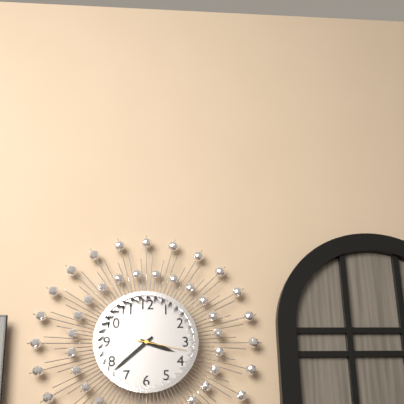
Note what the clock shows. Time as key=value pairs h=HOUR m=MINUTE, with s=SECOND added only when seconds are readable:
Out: h=3 m=38 s=17
